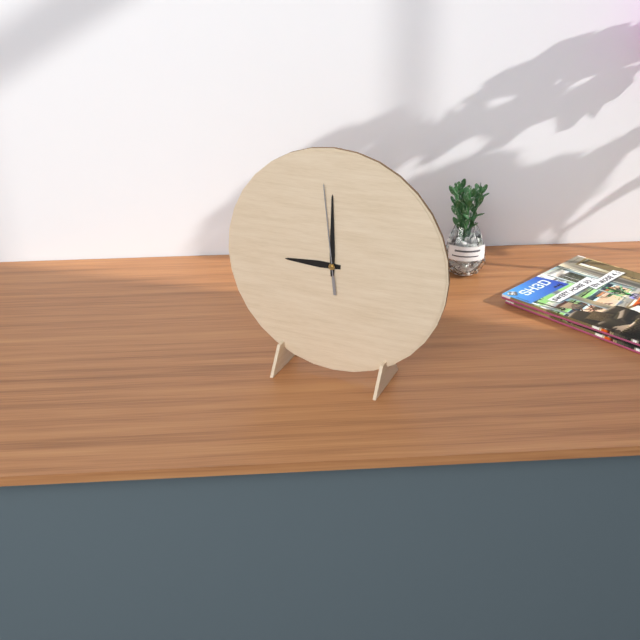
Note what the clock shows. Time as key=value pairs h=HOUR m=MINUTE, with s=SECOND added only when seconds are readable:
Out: h=9 m=0 s=59
